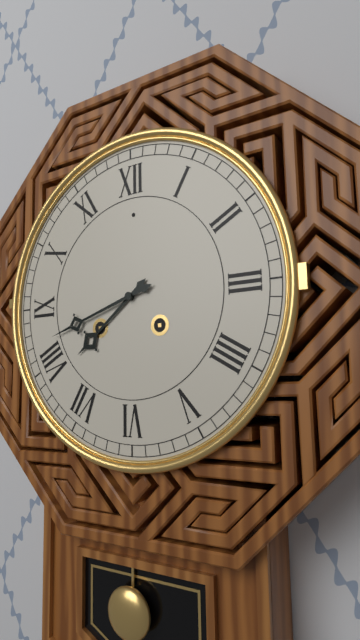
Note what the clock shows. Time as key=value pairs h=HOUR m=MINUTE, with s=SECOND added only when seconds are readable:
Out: h=7 m=42
